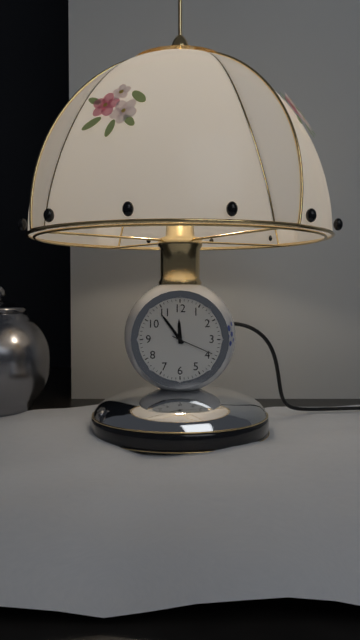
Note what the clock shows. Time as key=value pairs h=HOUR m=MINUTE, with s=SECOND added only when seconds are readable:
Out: h=11 m=54
